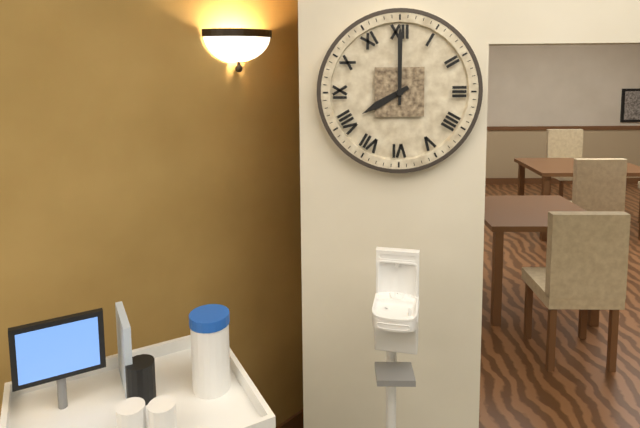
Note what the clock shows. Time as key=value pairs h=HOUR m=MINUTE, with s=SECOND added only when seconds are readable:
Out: h=8 m=0
